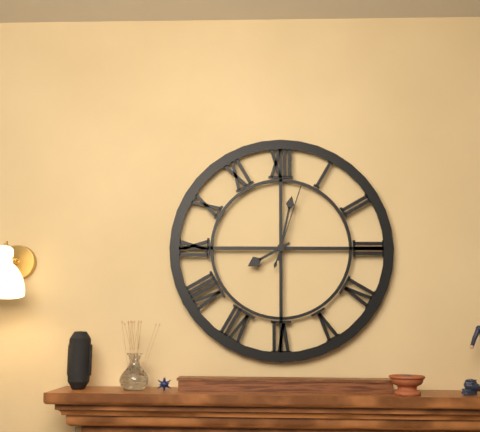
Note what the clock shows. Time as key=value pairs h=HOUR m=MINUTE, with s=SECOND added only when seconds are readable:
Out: h=8 m=2 s=3
